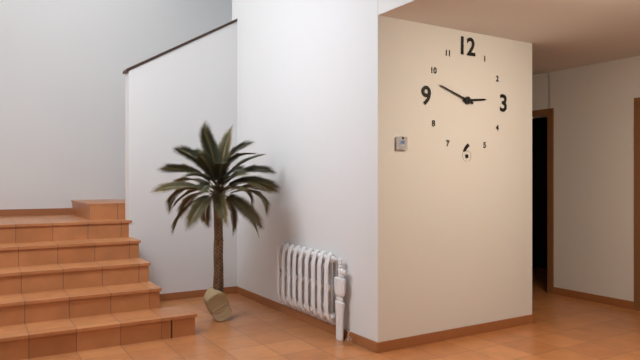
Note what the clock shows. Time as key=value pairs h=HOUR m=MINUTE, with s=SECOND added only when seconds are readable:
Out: h=2 m=48
